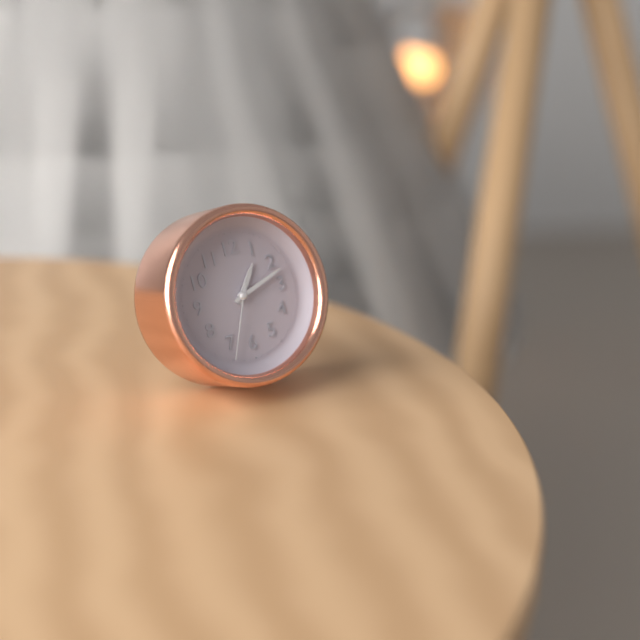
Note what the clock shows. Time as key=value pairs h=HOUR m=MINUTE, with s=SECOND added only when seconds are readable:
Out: h=1 m=12 s=34
